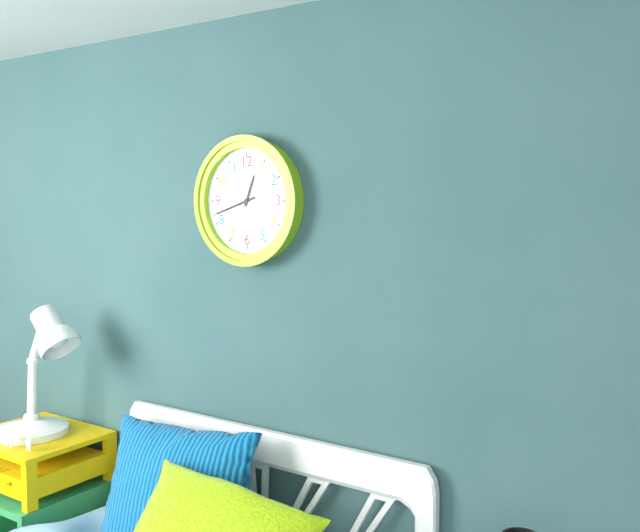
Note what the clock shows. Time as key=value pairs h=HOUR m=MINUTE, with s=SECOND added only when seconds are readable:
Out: h=12 m=42
